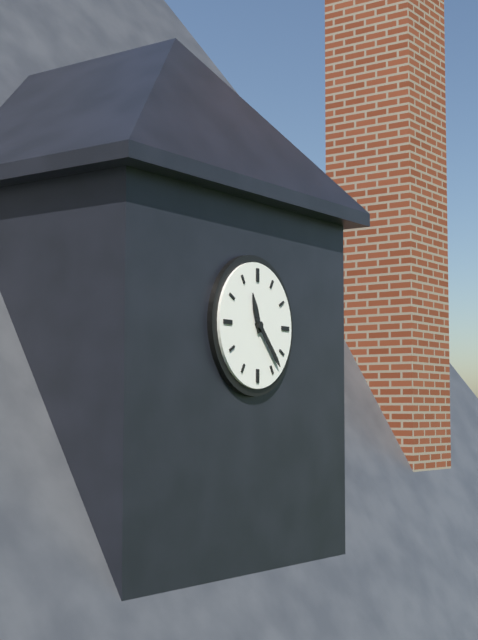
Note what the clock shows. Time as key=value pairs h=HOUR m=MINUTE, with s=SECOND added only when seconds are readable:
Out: h=11 m=23
